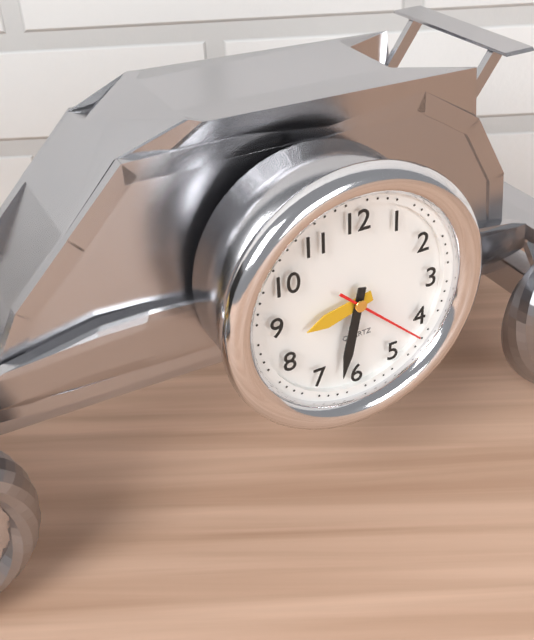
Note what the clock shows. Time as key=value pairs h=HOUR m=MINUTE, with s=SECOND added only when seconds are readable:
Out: h=8 m=32 s=22
